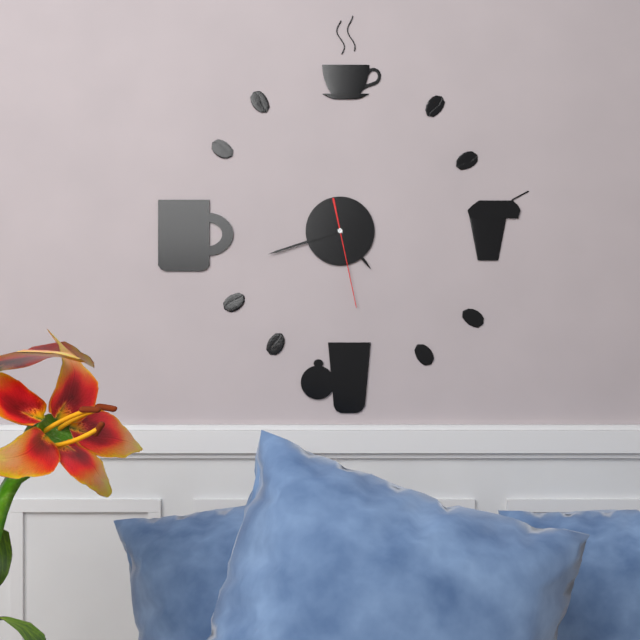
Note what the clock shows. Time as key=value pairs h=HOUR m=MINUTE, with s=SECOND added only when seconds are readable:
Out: h=4 m=42 s=28
